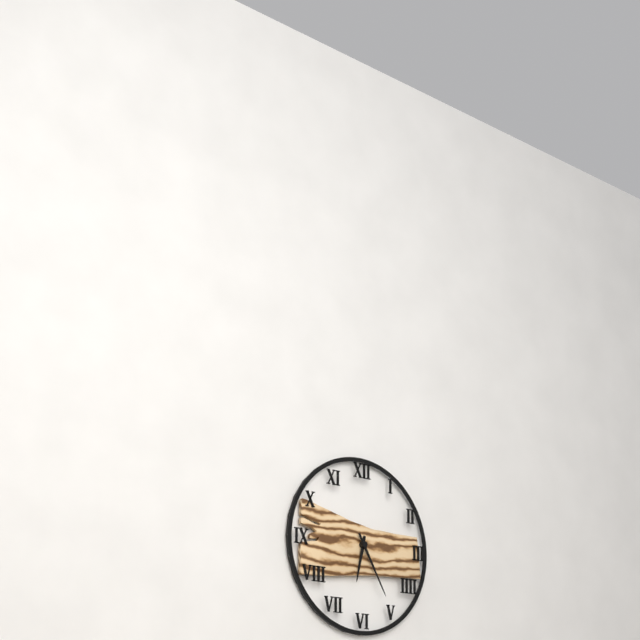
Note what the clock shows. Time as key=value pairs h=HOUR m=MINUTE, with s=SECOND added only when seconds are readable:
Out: h=6 m=25
